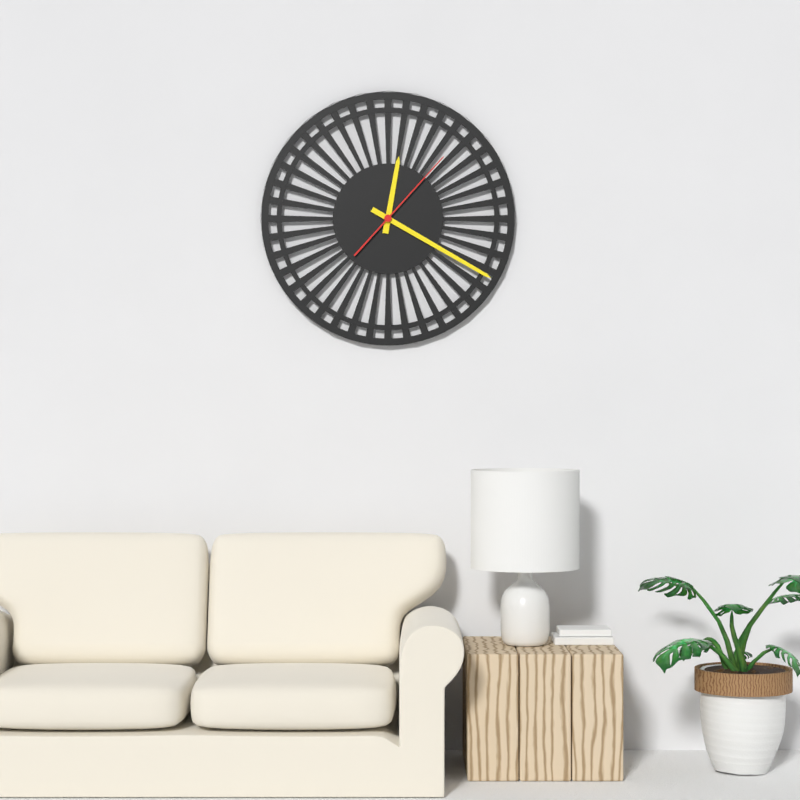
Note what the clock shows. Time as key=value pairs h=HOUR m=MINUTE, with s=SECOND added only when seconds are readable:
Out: h=12 m=20 s=7
